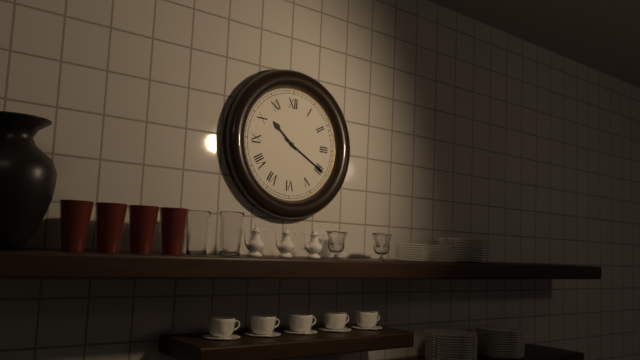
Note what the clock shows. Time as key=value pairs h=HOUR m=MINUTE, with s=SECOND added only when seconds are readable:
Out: h=10 m=20
